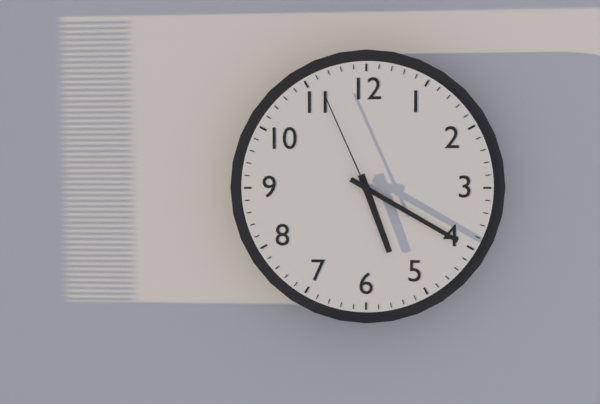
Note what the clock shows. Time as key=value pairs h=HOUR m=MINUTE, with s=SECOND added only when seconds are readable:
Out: h=5 m=20 s=56
